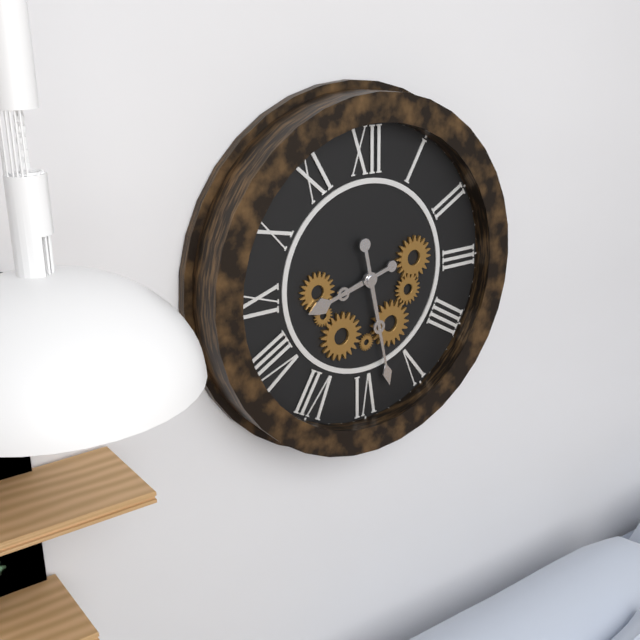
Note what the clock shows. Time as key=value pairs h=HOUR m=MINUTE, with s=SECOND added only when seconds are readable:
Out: h=8 m=28
